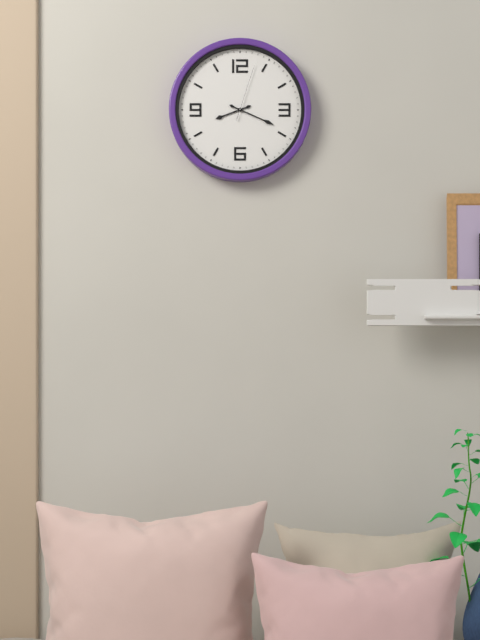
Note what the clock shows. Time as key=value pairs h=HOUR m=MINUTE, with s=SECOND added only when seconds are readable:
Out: h=8 m=19 s=3
